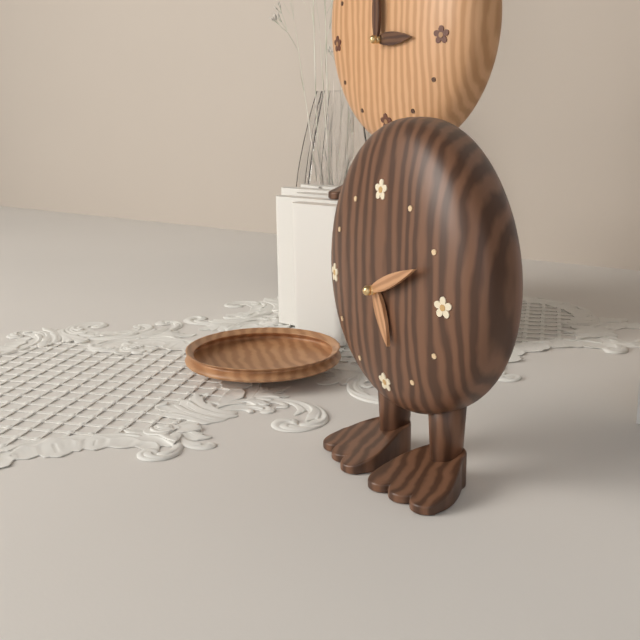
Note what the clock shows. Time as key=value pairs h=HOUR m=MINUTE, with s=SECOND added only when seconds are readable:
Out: h=5 m=11
